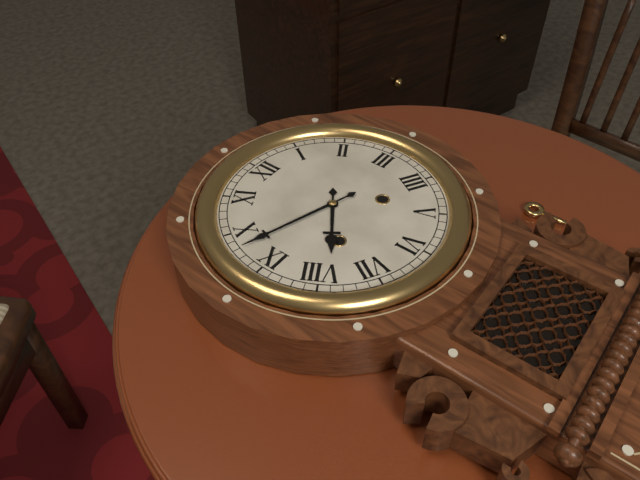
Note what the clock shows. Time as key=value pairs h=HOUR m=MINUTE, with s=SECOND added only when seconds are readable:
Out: h=7 m=48
